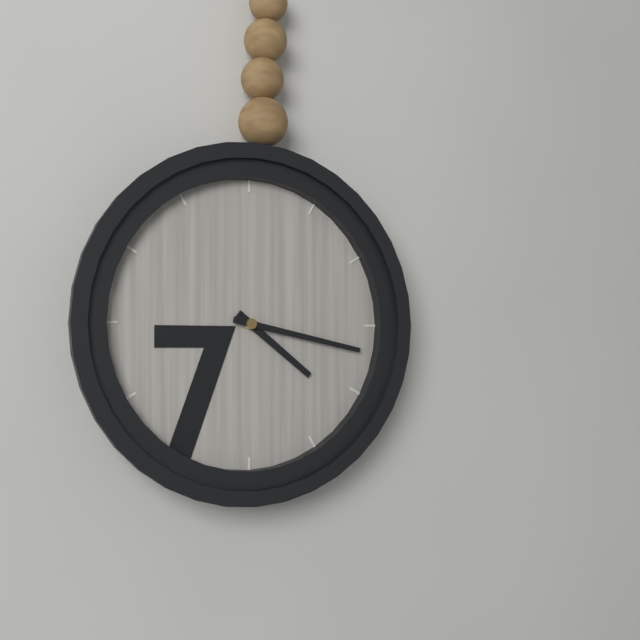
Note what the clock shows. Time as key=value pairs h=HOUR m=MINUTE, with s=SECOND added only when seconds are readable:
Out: h=4 m=17
